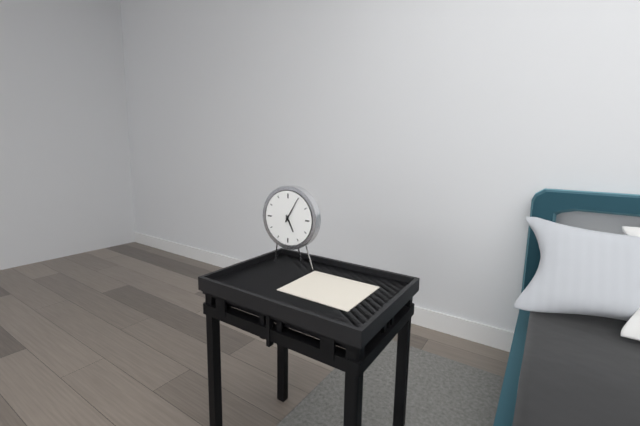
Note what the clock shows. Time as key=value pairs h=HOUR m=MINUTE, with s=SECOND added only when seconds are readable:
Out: h=5 m=5
